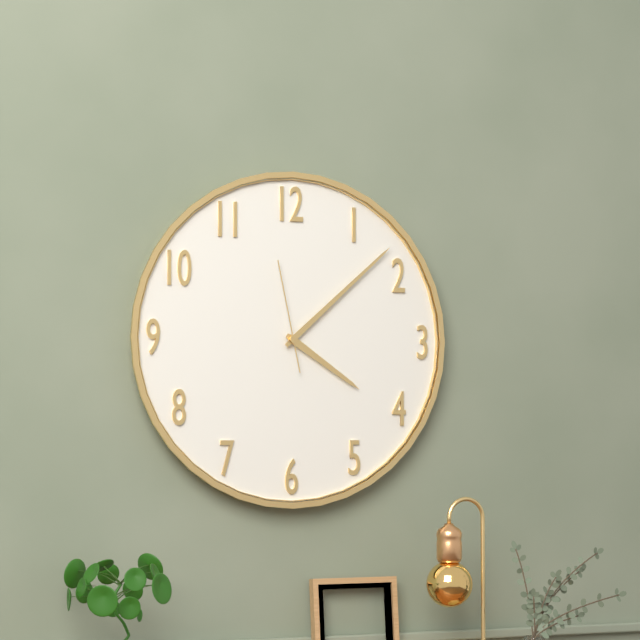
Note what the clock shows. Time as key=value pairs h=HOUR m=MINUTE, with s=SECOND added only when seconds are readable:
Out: h=4 m=8 s=58
